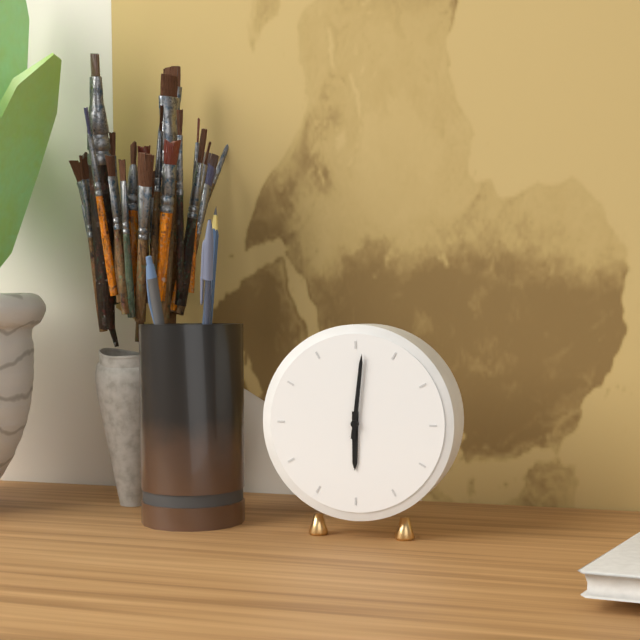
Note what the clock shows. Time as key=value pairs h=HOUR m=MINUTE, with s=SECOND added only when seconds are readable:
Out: h=6 m=1
